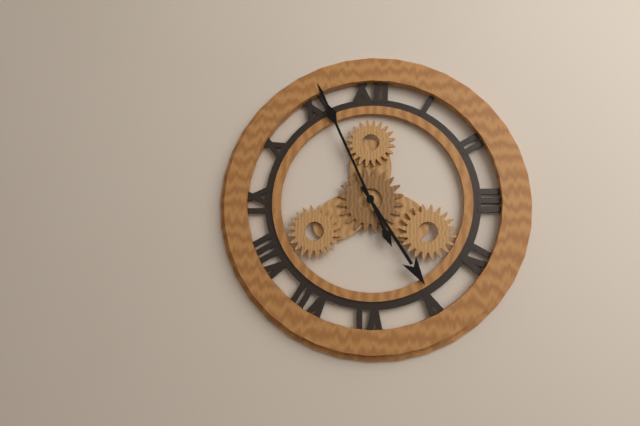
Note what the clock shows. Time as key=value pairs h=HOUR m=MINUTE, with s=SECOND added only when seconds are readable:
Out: h=4 m=56
